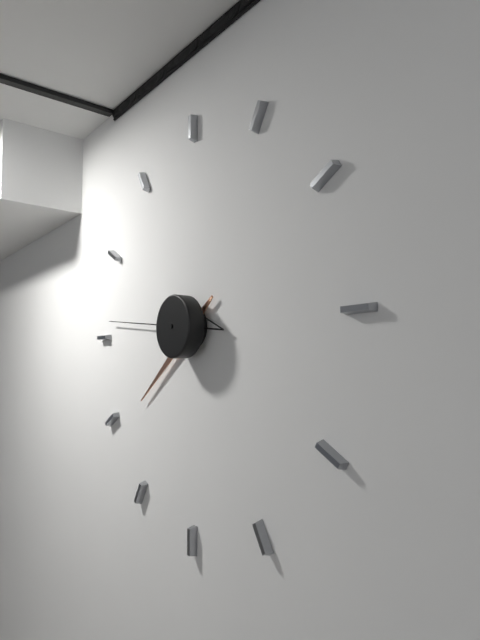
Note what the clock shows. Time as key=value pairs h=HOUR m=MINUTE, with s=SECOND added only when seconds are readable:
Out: h=7 m=46
